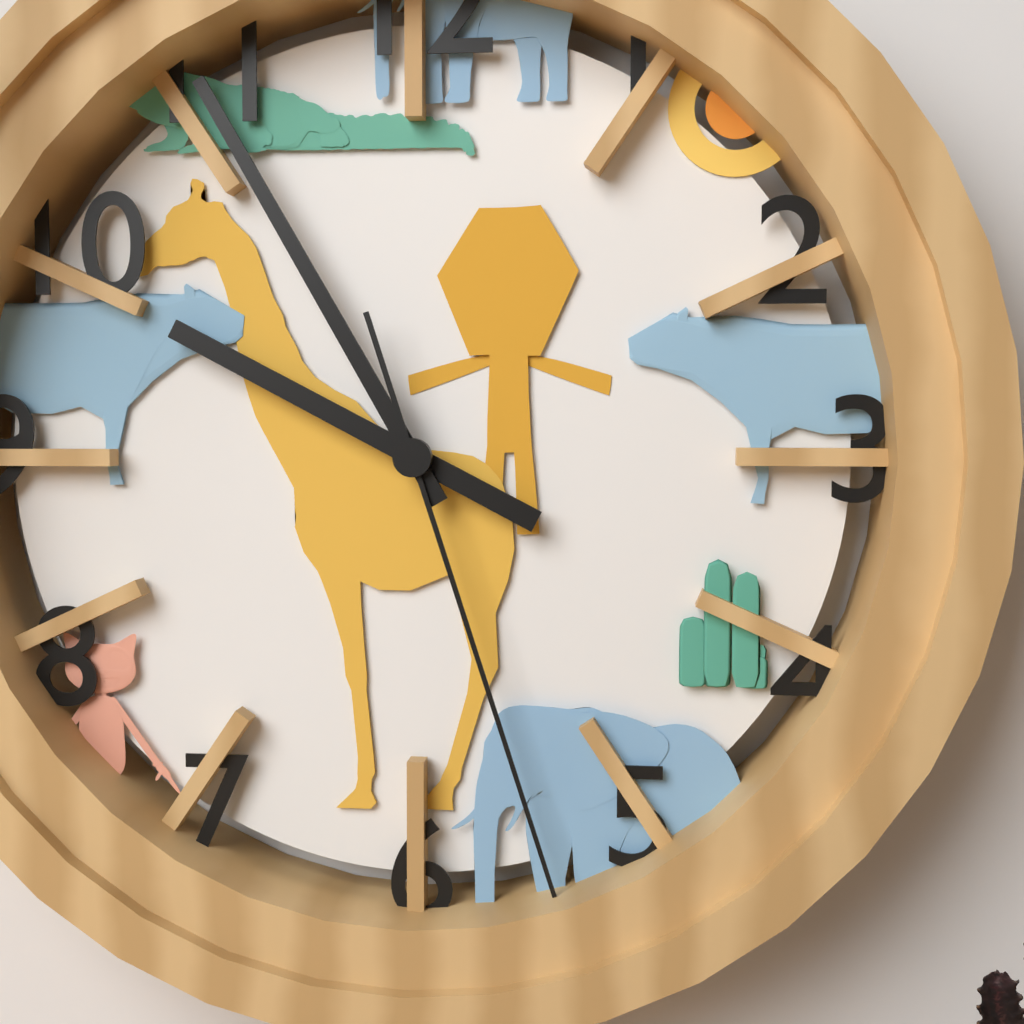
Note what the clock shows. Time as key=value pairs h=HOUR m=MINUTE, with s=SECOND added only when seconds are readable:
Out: h=9 m=55 s=27
